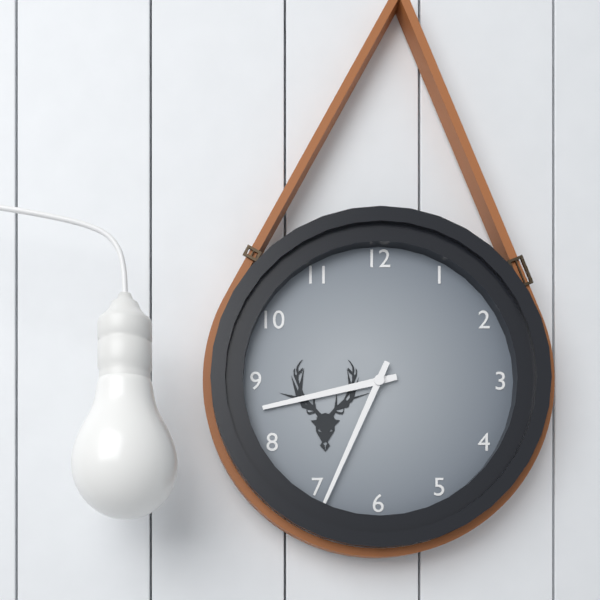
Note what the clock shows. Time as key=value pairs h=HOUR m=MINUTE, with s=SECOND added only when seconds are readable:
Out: h=8 m=34
